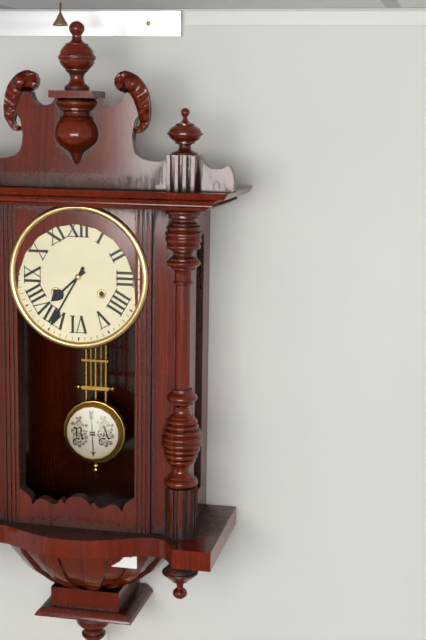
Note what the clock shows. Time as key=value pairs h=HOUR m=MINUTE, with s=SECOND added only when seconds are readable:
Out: h=7 m=35
